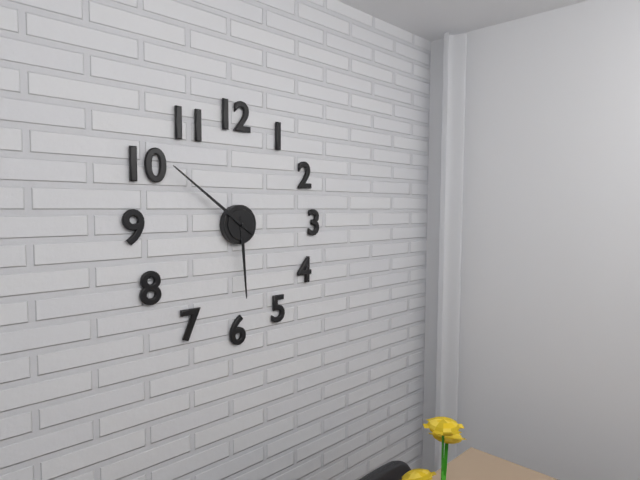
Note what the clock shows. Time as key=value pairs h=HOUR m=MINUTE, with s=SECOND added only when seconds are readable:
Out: h=5 m=51
